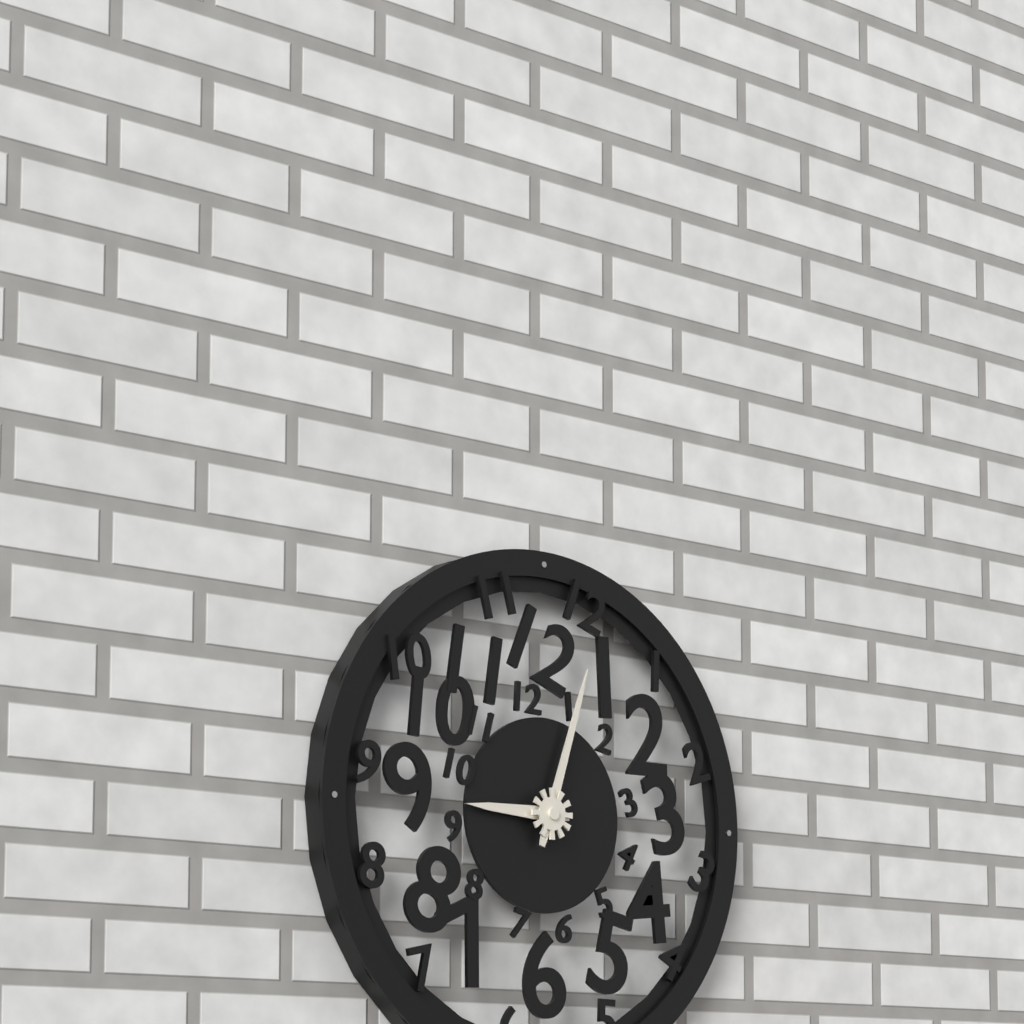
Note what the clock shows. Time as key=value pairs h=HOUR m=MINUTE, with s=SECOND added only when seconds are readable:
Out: h=9 m=3
